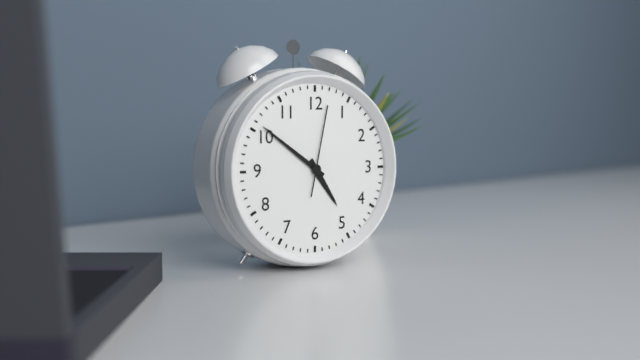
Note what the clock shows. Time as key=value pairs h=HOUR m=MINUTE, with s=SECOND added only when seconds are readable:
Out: h=4 m=51 s=2
